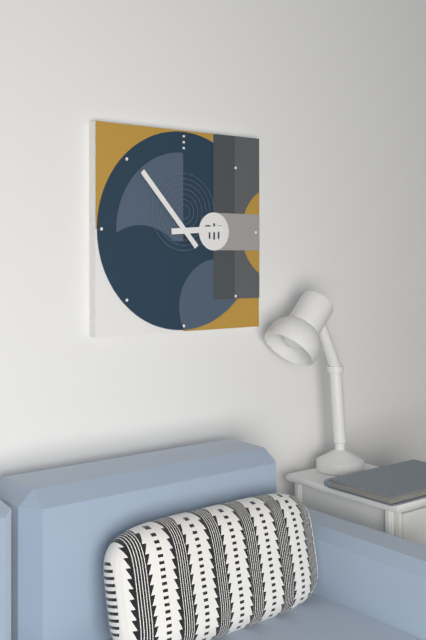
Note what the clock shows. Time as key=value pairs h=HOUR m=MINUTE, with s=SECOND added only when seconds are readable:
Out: h=2 m=53
